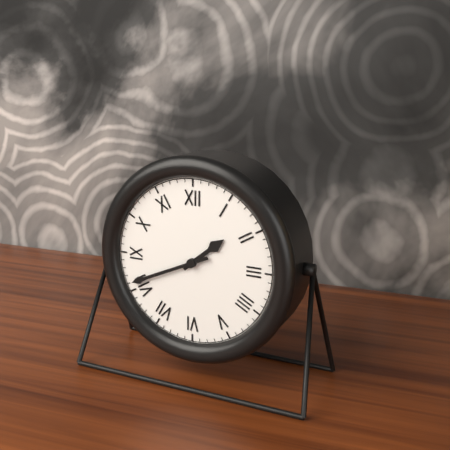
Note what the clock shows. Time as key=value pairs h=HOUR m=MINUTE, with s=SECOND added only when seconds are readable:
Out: h=1 m=41
